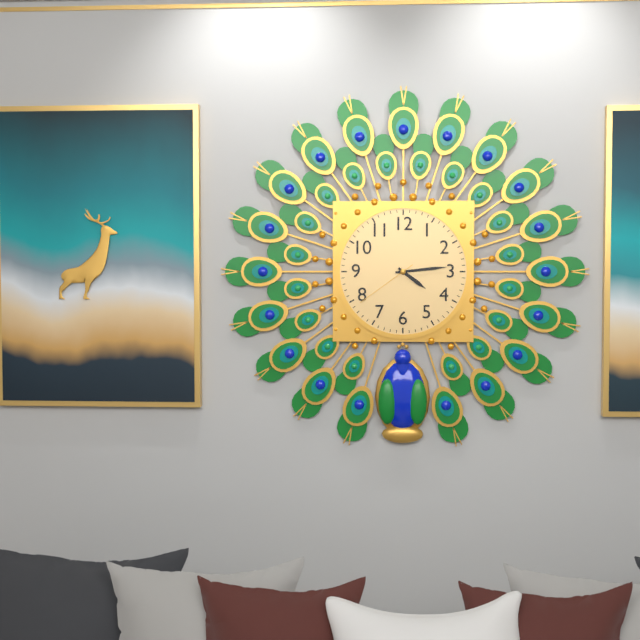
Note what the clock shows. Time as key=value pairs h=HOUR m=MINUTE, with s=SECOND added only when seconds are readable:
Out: h=4 m=14 s=39
